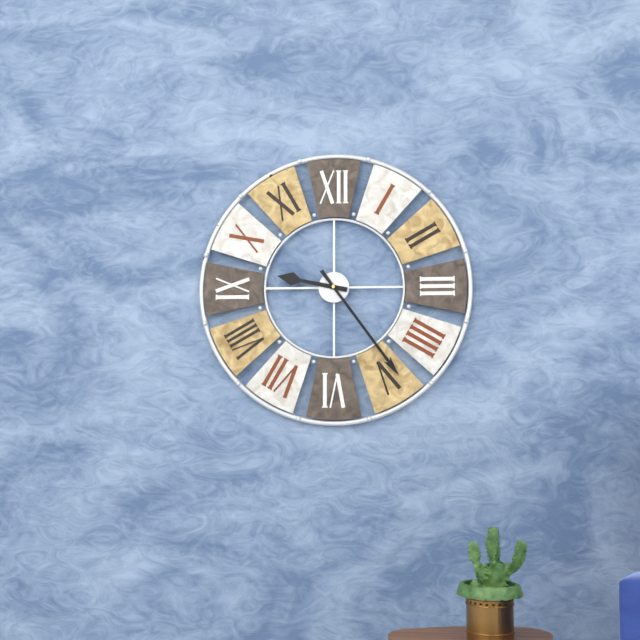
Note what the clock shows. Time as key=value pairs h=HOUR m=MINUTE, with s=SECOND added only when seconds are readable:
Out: h=9 m=24
